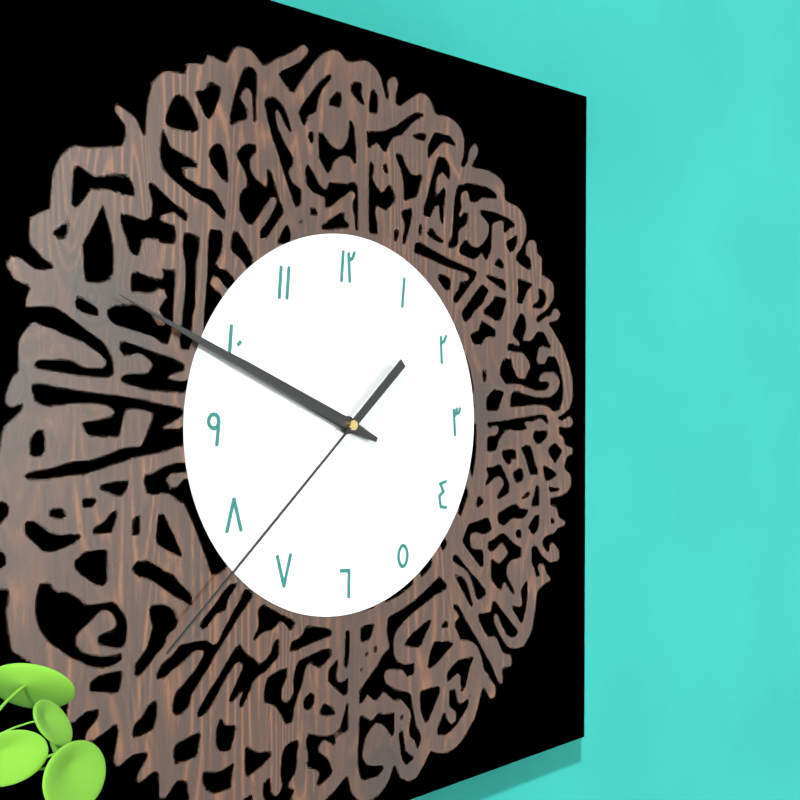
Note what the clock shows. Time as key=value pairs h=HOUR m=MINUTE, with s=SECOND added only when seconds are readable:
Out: h=9 m=49 s=38
